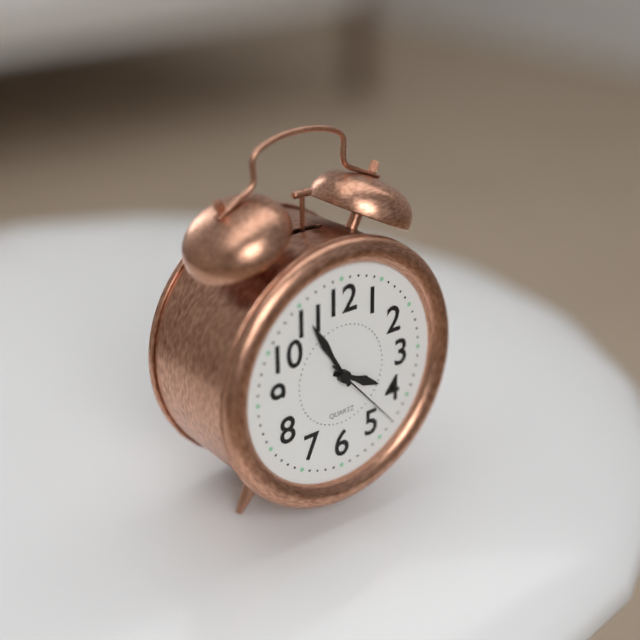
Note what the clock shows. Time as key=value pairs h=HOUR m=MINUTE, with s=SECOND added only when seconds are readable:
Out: h=3 m=55 s=23
